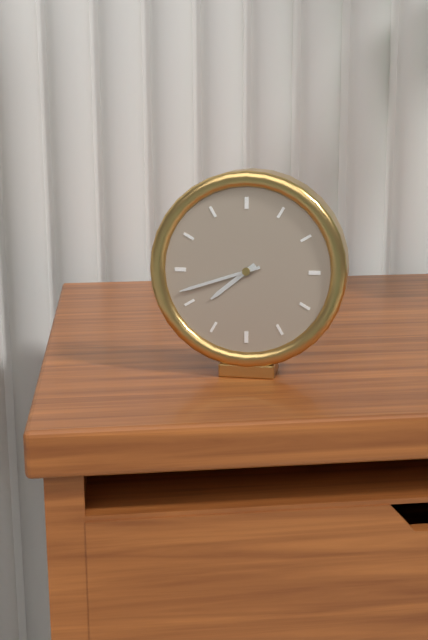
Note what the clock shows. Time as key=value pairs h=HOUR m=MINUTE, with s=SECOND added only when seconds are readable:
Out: h=7 m=42
